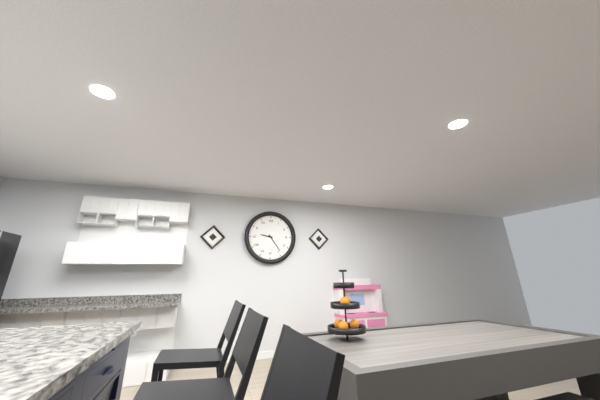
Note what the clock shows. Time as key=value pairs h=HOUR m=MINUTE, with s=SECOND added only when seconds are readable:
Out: h=9 m=24
